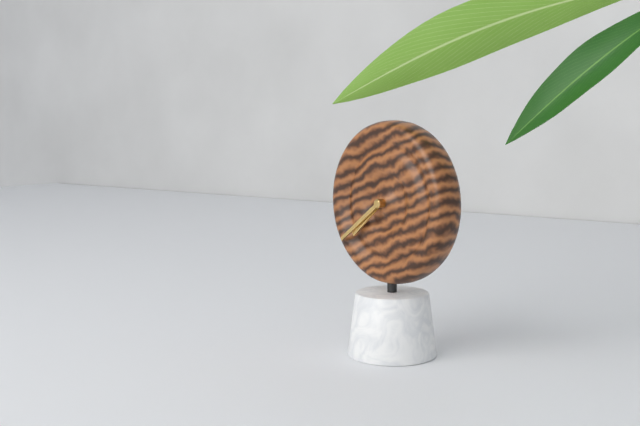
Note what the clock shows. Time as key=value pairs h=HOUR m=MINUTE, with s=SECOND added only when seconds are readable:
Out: h=7 m=39
